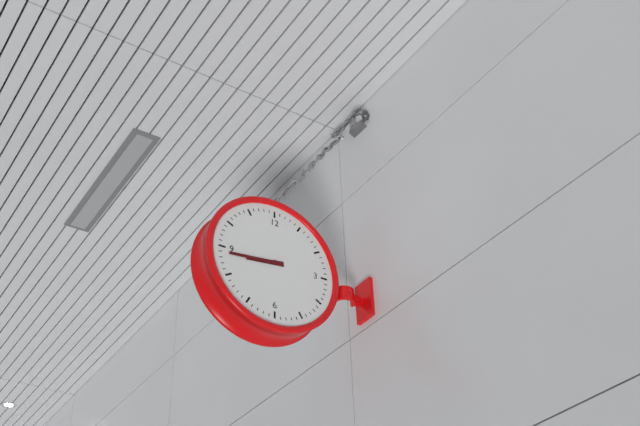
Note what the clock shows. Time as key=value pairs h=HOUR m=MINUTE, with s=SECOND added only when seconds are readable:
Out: h=8 m=44
